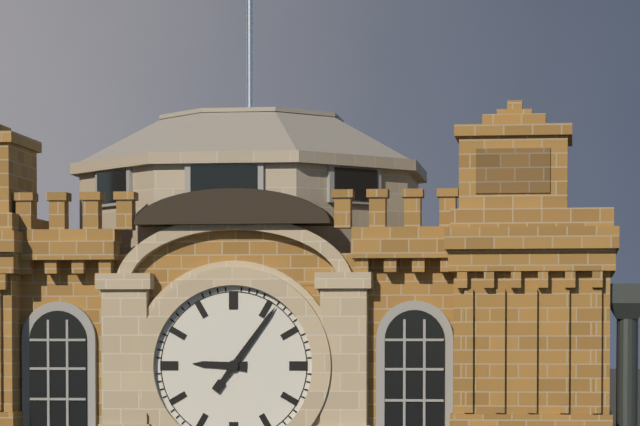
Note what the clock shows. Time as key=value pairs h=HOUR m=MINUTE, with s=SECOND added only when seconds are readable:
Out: h=9 m=6
